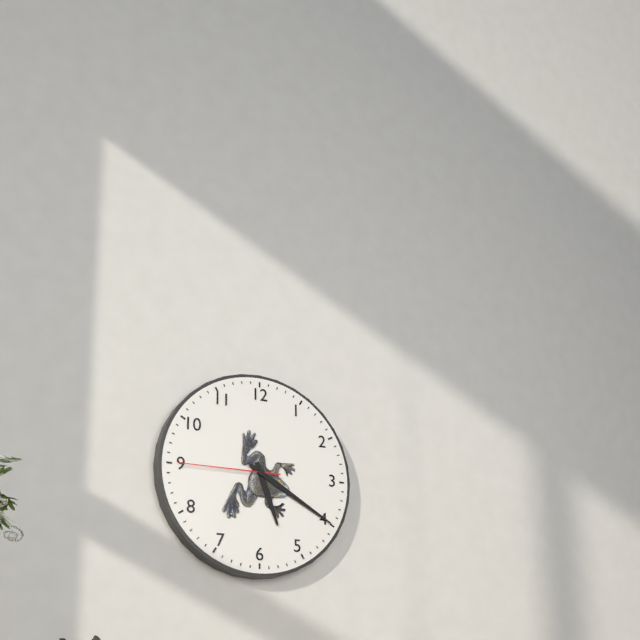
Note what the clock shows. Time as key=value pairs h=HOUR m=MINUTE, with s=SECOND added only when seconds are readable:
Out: h=5 m=20 s=45
